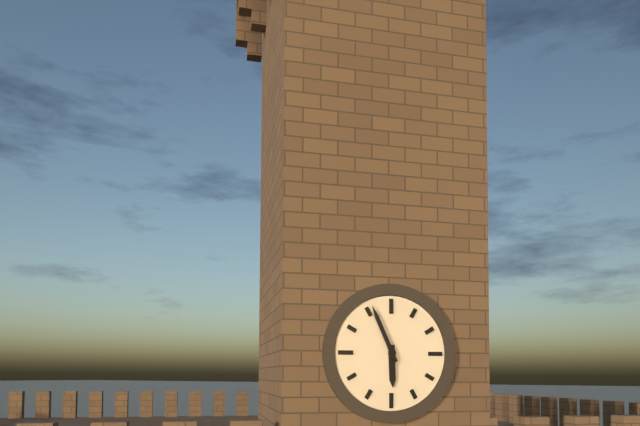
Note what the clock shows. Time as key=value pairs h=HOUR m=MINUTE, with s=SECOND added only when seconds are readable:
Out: h=5 m=56
